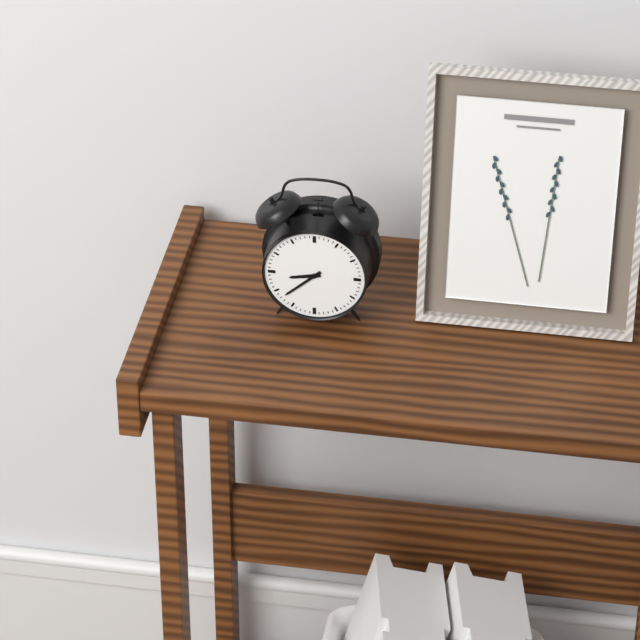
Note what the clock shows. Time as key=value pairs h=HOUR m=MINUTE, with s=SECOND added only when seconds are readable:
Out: h=8 m=38
